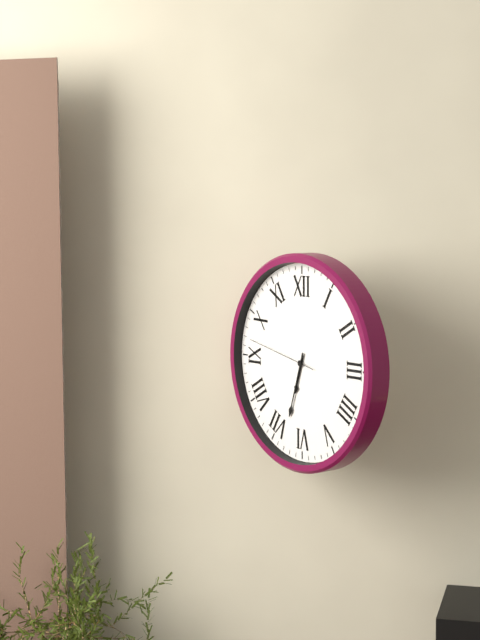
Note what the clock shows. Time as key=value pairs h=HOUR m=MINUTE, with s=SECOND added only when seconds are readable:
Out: h=6 m=33 s=47
